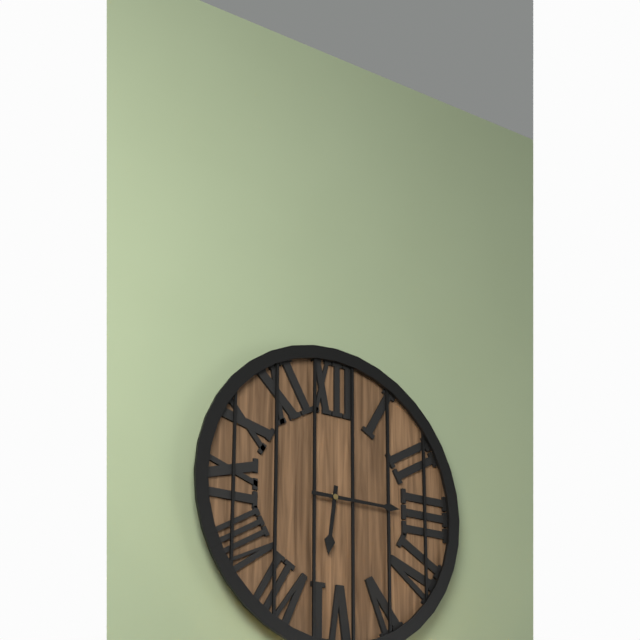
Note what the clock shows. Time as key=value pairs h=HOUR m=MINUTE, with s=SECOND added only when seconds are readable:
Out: h=6 m=15
